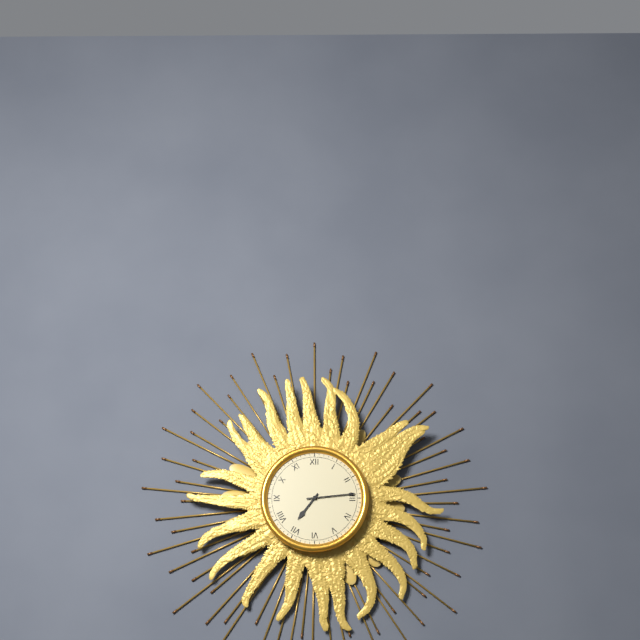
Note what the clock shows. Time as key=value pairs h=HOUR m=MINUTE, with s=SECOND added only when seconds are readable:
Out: h=7 m=14
